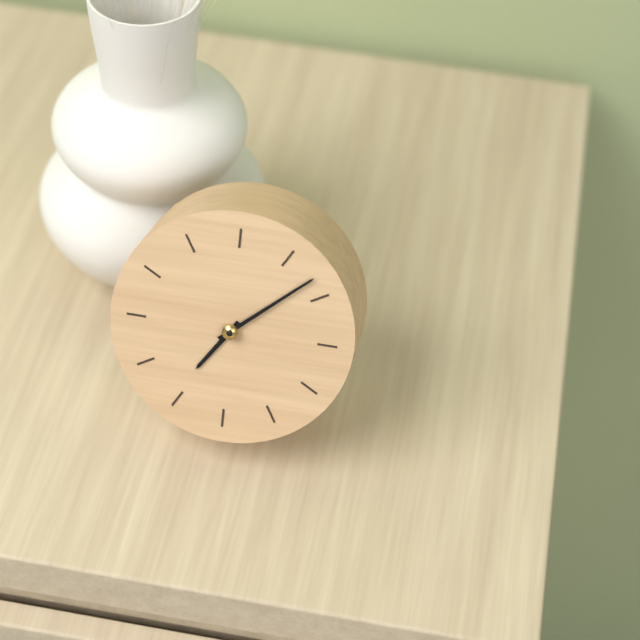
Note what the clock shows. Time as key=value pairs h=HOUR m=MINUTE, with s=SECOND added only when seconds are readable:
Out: h=7 m=8
